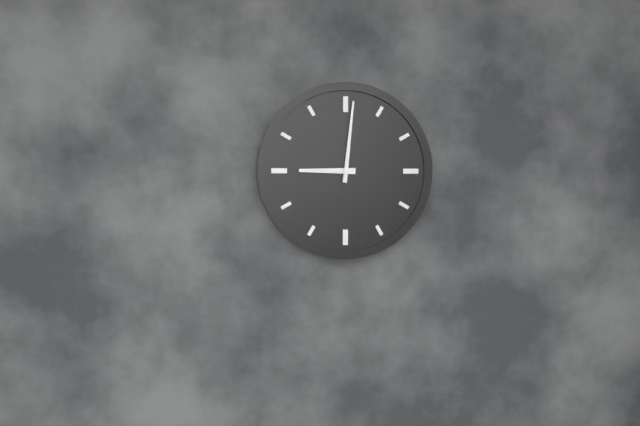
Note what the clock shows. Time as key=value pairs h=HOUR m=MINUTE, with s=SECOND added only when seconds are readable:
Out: h=9 m=1
